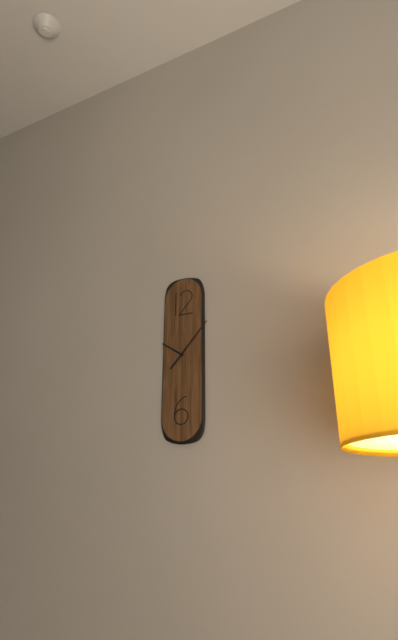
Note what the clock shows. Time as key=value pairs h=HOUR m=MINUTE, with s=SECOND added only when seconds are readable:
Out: h=10 m=7
